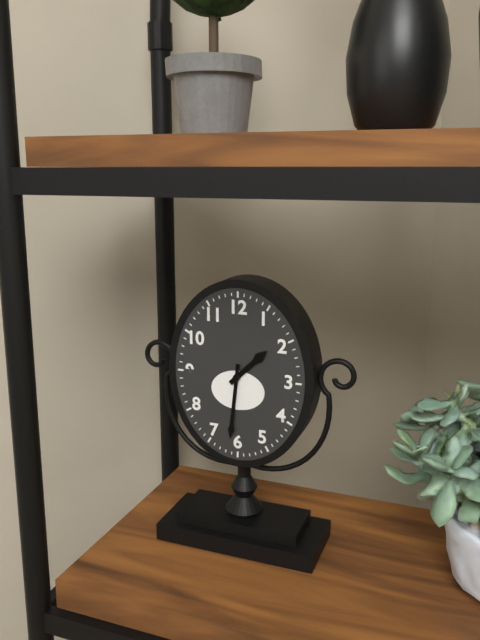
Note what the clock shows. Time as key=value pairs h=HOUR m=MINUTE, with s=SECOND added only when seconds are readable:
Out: h=1 m=31
